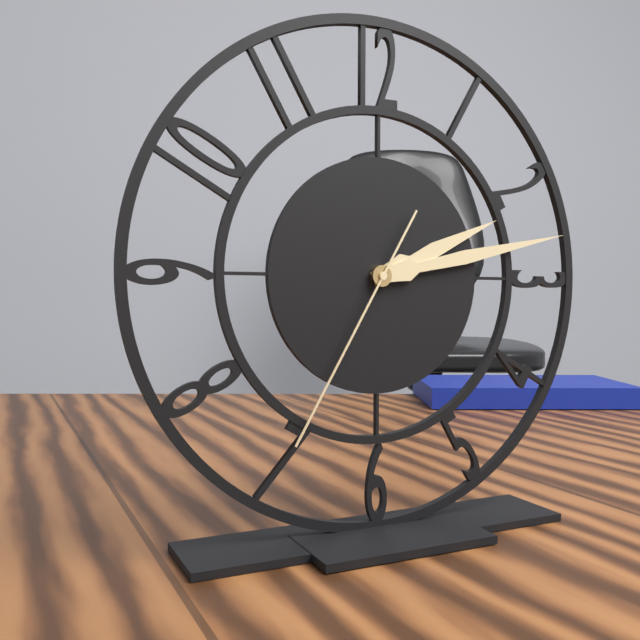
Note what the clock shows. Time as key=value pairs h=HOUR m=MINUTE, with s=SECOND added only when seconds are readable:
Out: h=2 m=13 s=35
